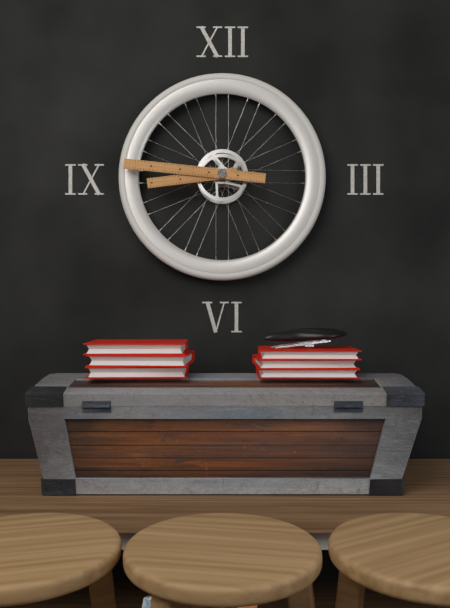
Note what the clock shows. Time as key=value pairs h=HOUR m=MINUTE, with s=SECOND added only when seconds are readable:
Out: h=8 m=46
